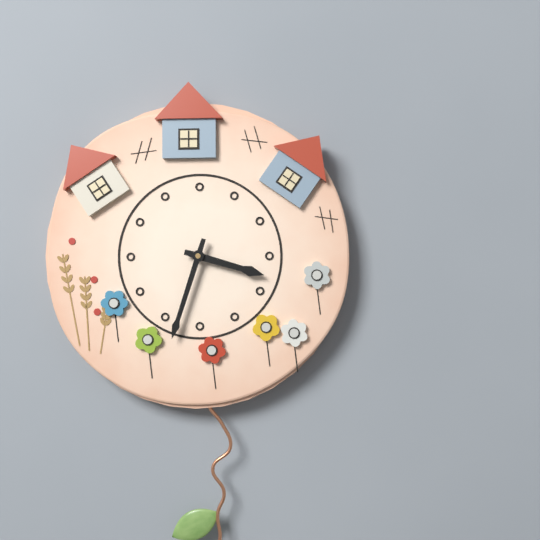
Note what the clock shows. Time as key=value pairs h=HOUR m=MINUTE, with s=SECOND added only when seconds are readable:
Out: h=3 m=33
